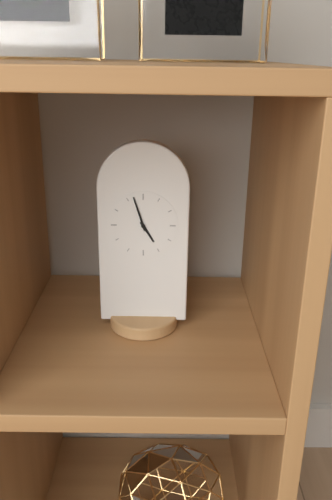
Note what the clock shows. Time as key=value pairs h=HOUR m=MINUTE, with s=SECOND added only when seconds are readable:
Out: h=4 m=57
